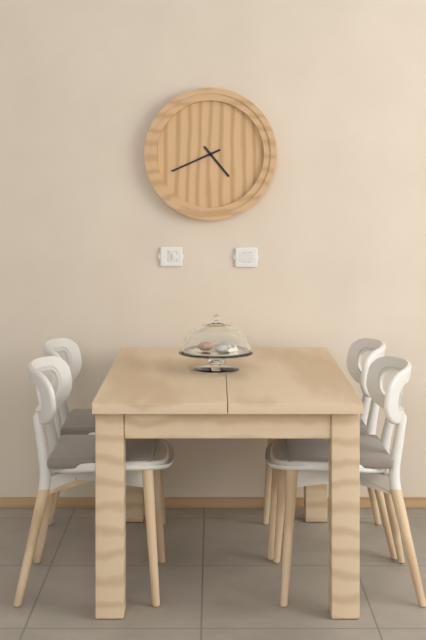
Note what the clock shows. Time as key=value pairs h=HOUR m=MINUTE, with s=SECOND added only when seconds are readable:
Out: h=4 m=41
